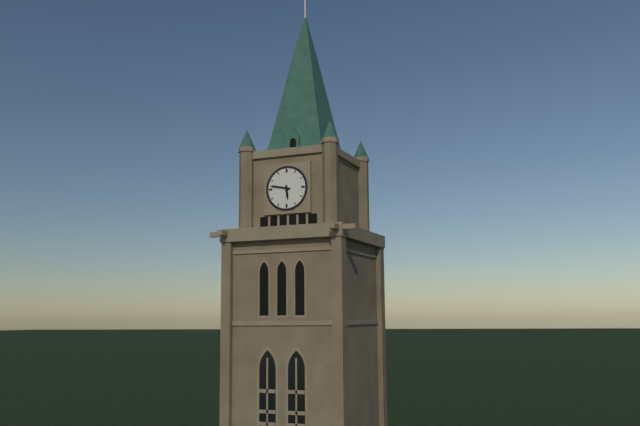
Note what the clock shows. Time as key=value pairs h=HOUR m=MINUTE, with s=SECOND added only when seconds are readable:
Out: h=5 m=47
